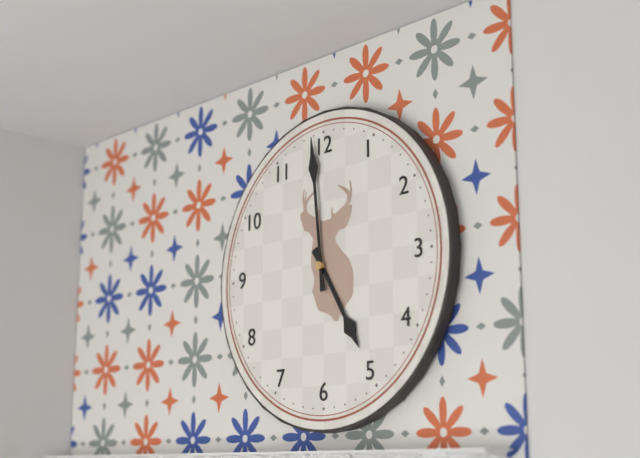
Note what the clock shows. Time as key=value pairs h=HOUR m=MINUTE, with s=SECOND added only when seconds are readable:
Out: h=4 m=59
